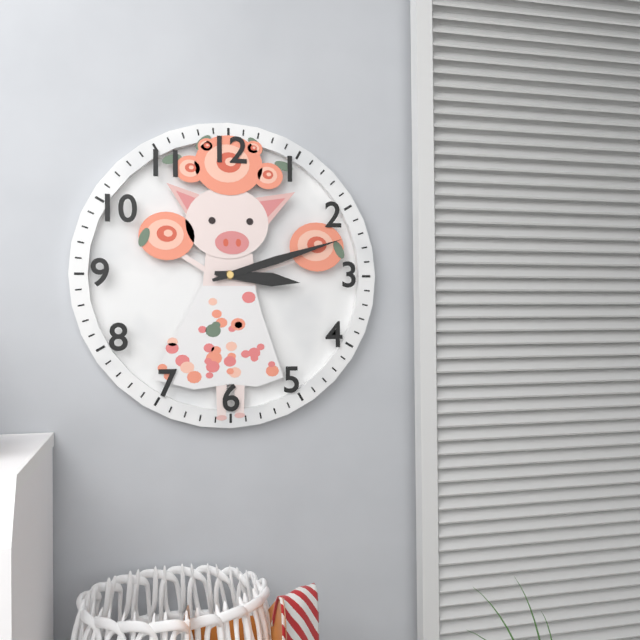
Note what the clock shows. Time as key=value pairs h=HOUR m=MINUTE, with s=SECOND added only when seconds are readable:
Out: h=3 m=12
